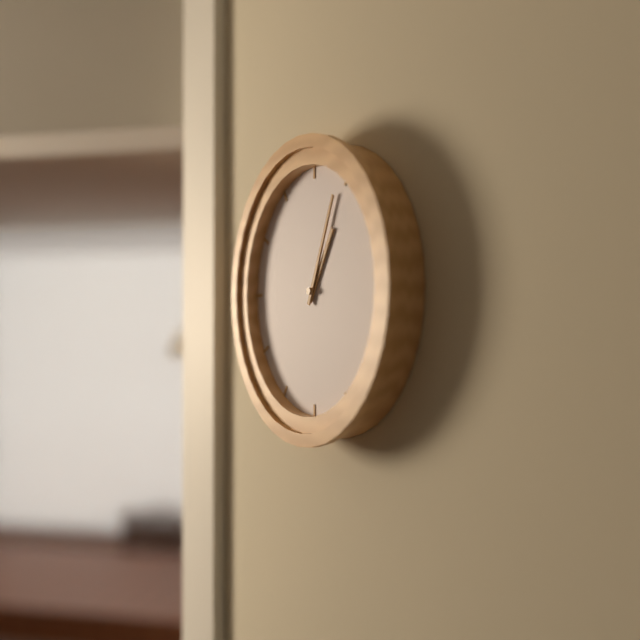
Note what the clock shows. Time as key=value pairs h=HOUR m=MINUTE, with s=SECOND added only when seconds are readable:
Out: h=1 m=4
